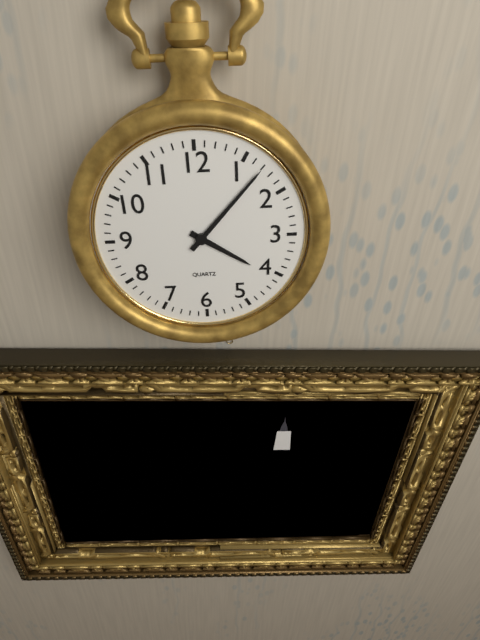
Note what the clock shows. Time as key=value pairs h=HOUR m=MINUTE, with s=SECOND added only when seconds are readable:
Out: h=4 m=7
